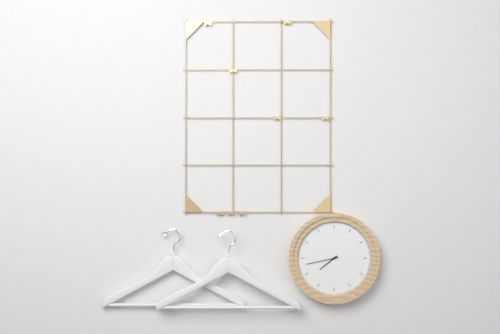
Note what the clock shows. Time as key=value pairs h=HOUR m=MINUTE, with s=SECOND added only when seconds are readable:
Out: h=7 m=43
